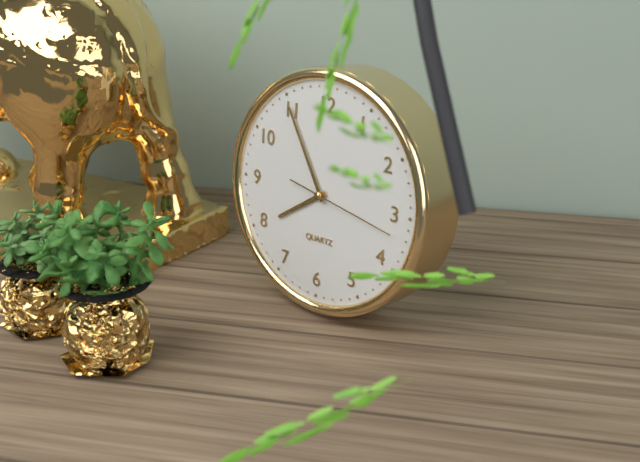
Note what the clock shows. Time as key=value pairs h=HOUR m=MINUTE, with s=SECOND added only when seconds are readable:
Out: h=7 m=55 s=17
